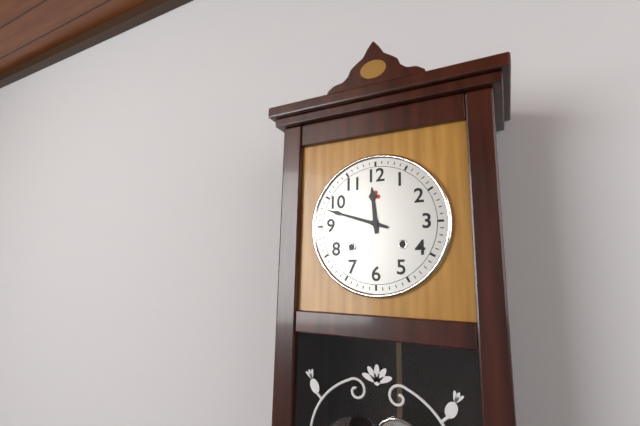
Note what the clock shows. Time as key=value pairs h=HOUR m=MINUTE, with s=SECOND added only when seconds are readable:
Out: h=11 m=48
